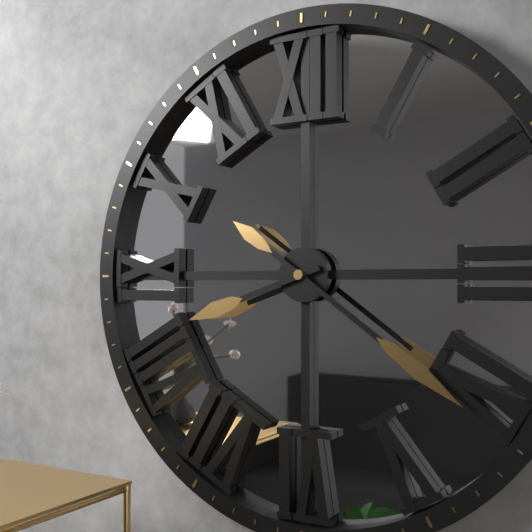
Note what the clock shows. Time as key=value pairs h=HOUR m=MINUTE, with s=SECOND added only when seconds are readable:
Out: h=8 m=21
